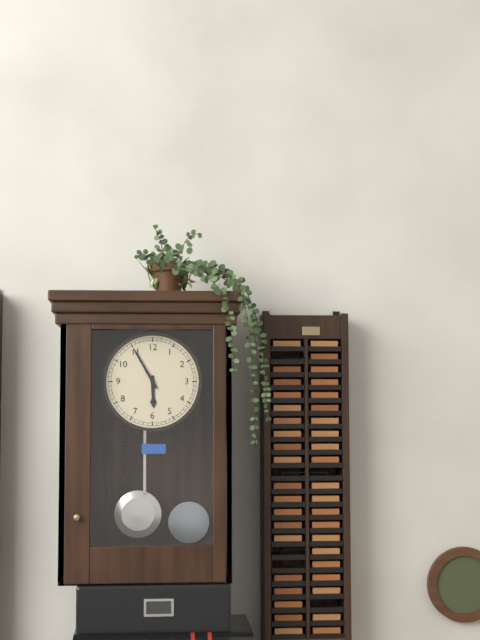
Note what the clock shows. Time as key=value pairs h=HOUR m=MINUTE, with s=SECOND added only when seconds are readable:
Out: h=5 m=55
